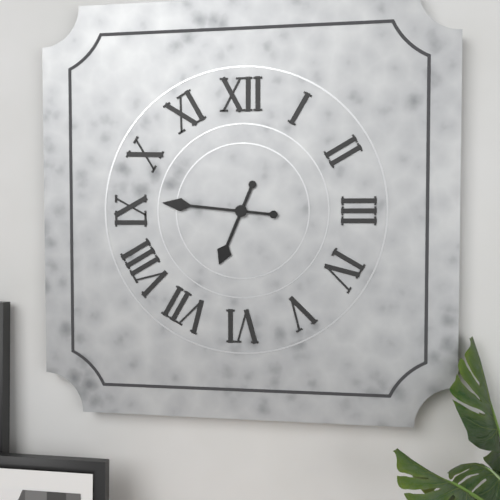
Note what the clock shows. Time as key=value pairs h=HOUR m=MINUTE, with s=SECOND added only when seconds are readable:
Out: h=6 m=46
